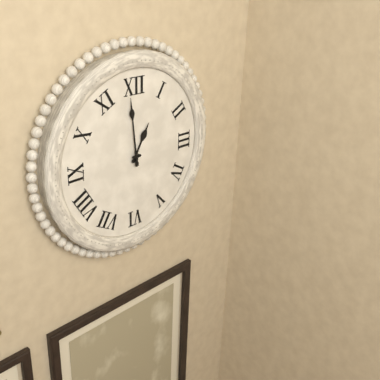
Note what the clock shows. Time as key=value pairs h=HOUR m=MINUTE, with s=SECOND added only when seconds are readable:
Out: h=12 m=59
